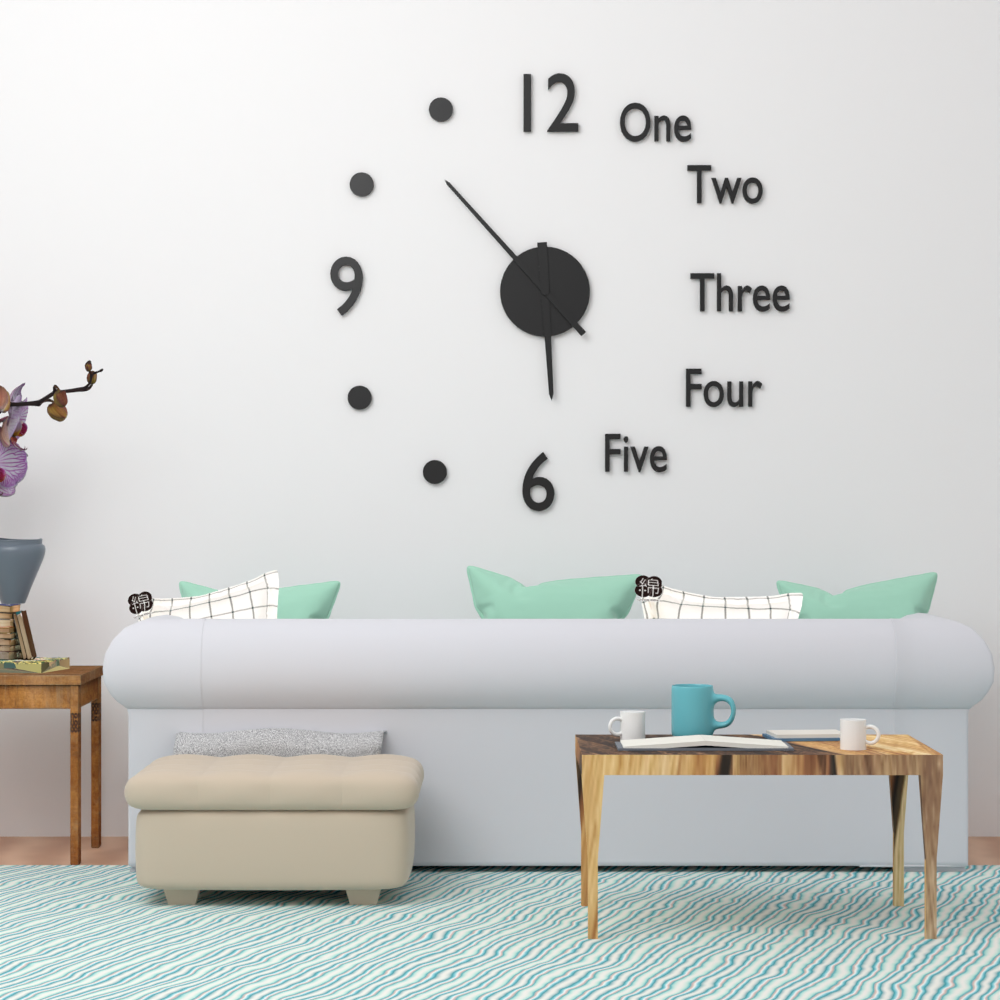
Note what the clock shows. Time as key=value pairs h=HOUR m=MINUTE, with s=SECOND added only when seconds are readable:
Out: h=5 m=53
